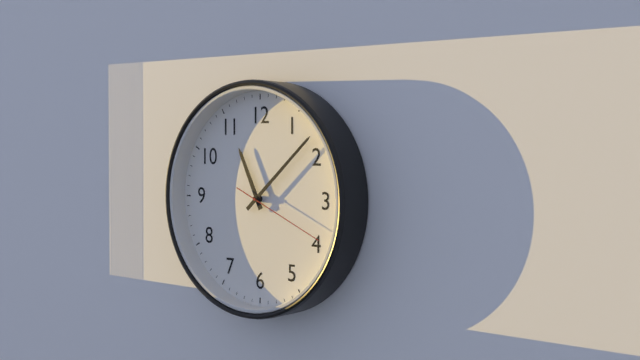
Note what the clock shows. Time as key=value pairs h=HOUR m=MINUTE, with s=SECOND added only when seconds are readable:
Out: h=11 m=8 s=19
